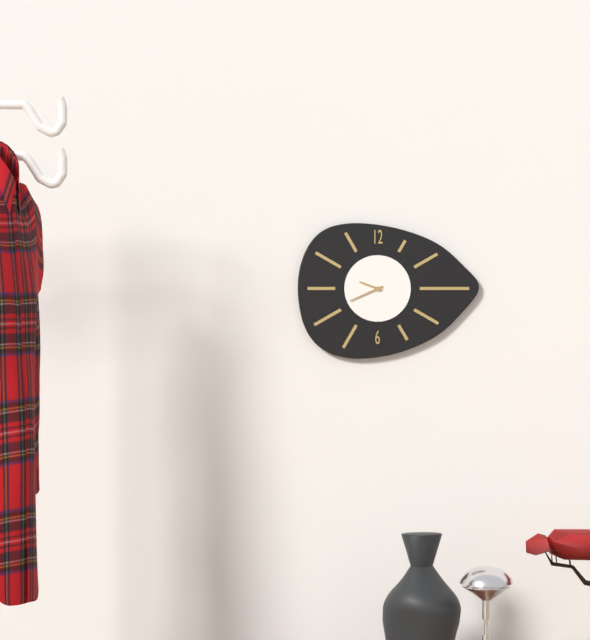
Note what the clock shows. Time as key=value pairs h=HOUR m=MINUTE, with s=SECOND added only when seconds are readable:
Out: h=9 m=41
